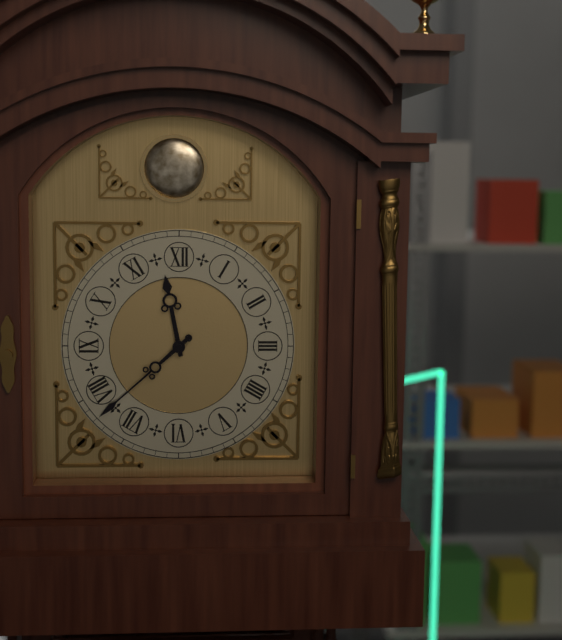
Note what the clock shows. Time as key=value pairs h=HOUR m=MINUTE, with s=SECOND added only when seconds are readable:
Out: h=11 m=38
